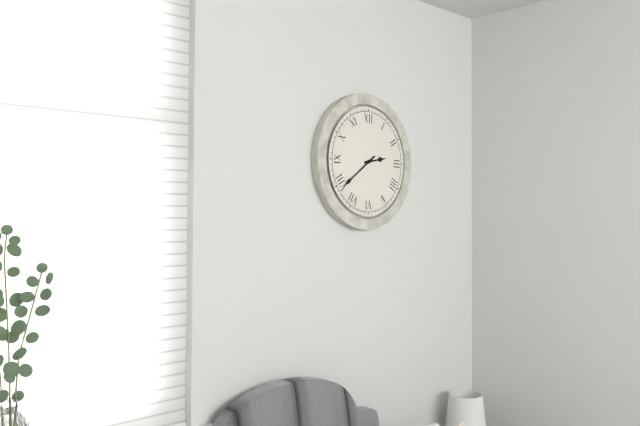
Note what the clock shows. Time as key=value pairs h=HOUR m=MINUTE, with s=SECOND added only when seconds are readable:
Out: h=2 m=39
